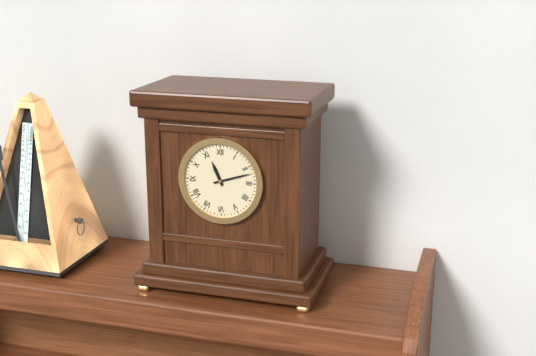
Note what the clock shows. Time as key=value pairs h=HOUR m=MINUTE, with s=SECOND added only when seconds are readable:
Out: h=11 m=12
